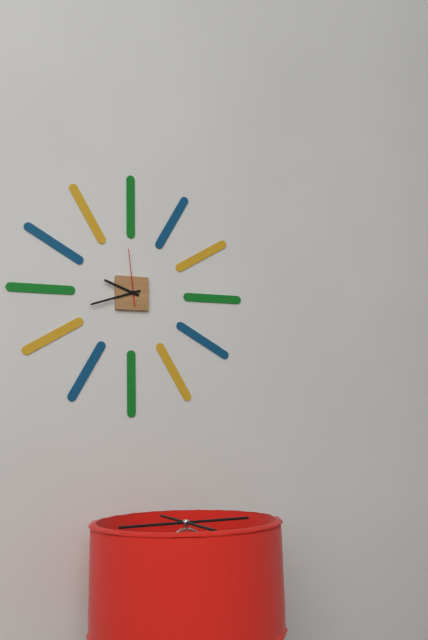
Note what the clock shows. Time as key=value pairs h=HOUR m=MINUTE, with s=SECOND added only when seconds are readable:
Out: h=9 m=42 s=59
